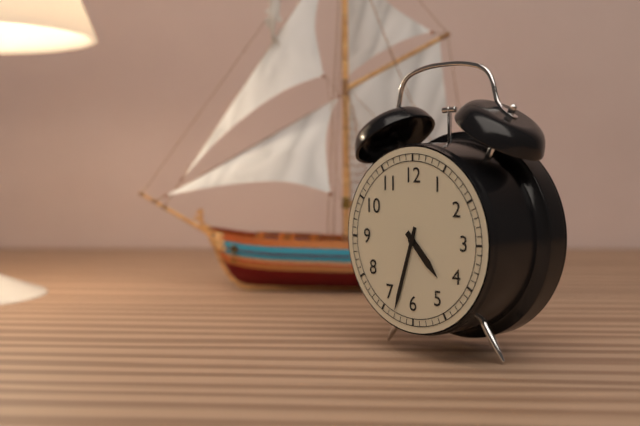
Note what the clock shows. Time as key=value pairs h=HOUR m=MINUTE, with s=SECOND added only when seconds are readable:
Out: h=4 m=33
